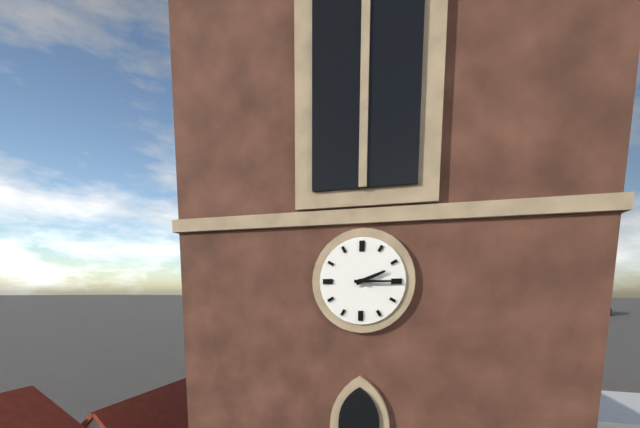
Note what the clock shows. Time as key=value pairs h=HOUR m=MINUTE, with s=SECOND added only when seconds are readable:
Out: h=2 m=15
